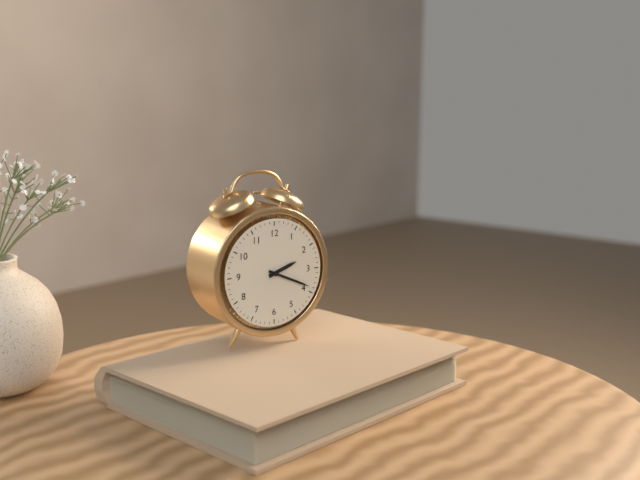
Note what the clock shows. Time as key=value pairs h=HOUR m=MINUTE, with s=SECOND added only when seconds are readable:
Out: h=2 m=19
